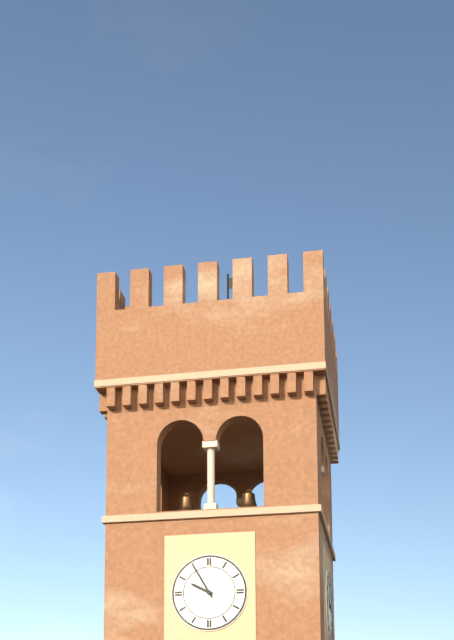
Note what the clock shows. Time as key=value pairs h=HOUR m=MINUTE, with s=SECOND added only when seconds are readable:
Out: h=9 m=55
